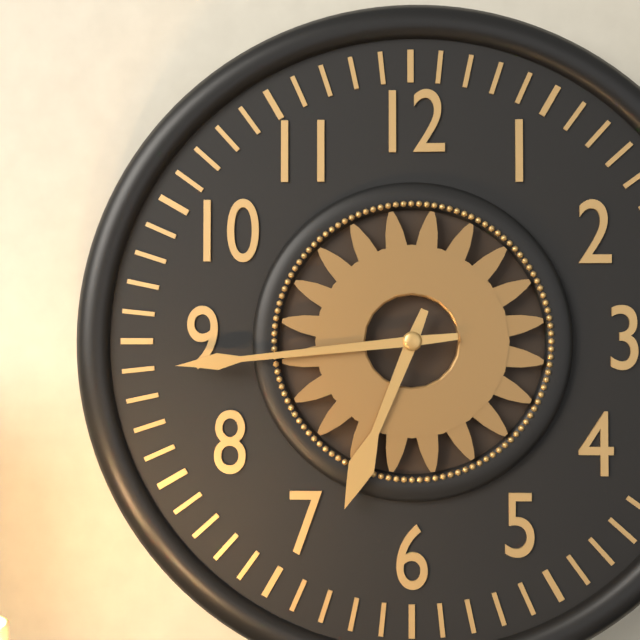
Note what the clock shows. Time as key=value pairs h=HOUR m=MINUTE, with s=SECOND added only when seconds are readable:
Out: h=6 m=44
